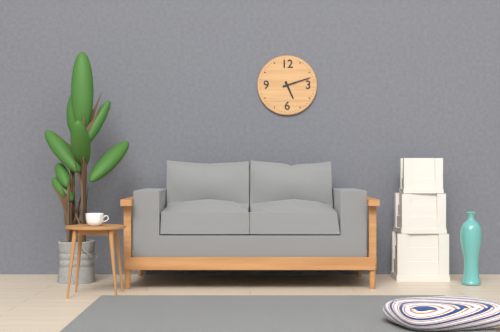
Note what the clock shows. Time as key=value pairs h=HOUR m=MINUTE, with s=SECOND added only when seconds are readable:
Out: h=5 m=12
